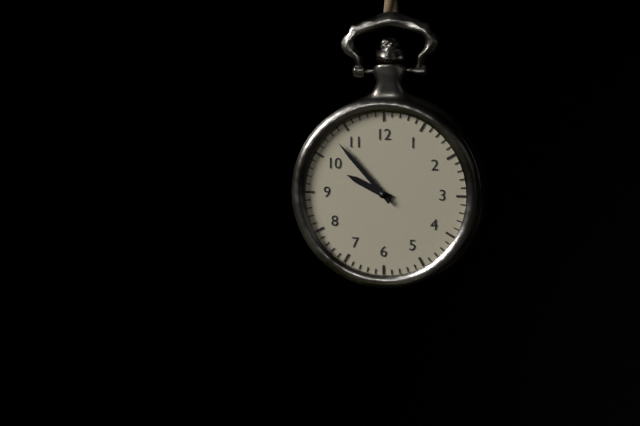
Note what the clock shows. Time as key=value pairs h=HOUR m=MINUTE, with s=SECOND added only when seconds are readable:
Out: h=9 m=53
